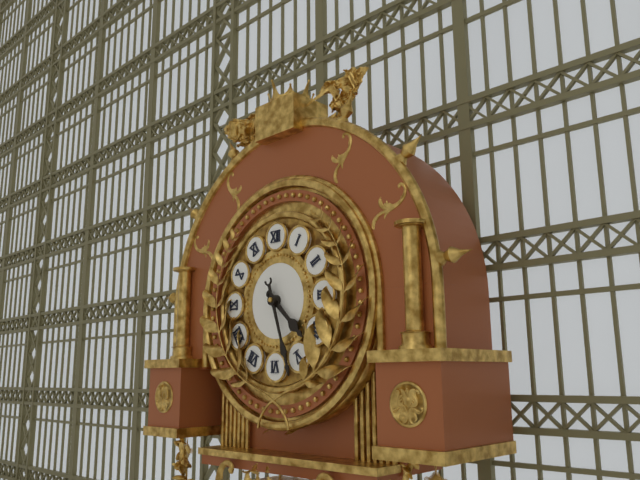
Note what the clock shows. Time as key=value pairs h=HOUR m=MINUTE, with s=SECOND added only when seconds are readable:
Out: h=4 m=27
